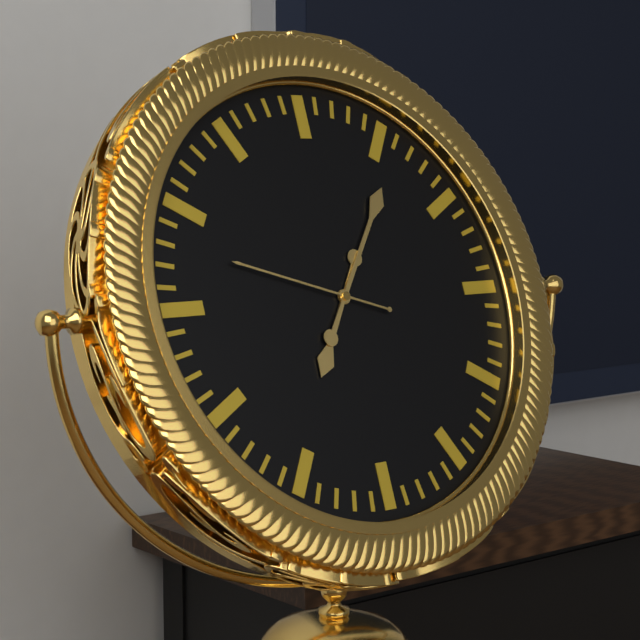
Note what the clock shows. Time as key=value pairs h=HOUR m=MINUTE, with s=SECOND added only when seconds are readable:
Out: h=7 m=6 s=48
